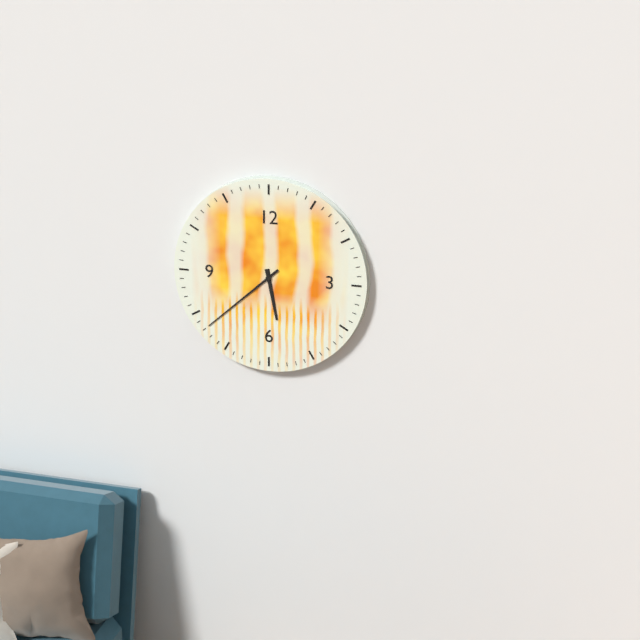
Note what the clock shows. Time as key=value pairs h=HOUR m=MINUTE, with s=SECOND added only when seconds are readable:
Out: h=5 m=38
